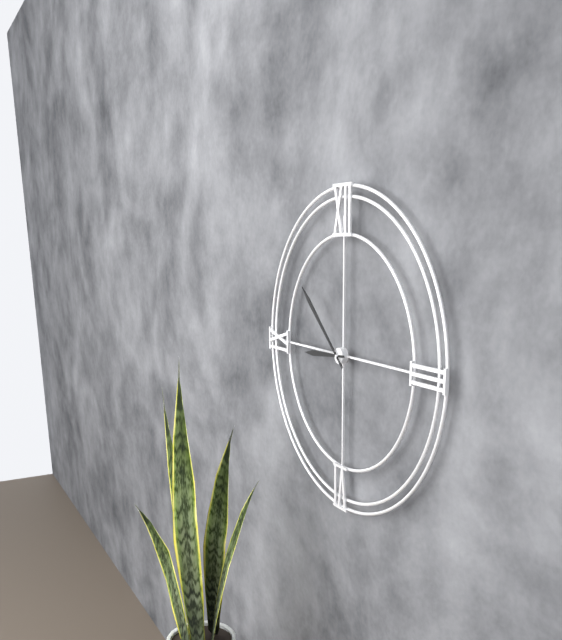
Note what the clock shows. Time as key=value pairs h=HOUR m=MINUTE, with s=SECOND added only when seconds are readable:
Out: h=8 m=52
